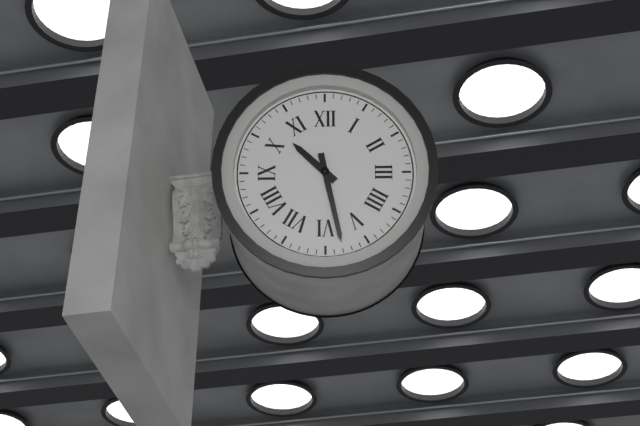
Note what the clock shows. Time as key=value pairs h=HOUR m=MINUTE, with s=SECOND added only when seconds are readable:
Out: h=10 m=28
